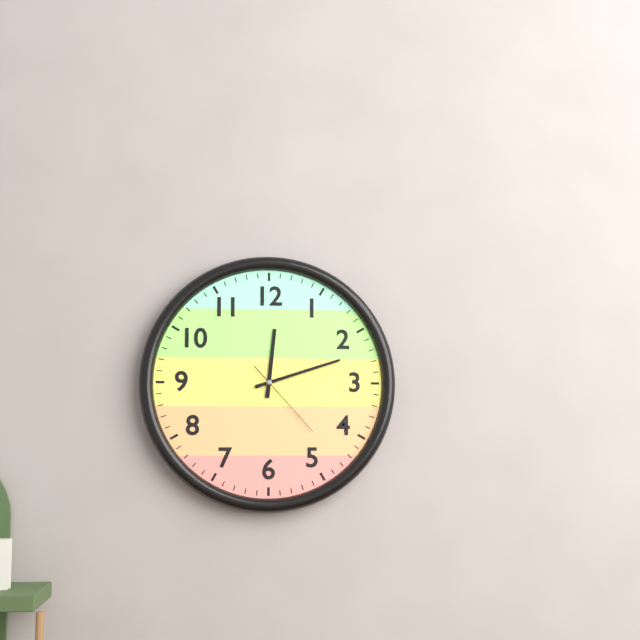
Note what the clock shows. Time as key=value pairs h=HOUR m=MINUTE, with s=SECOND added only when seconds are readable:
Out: h=12 m=12 s=23
